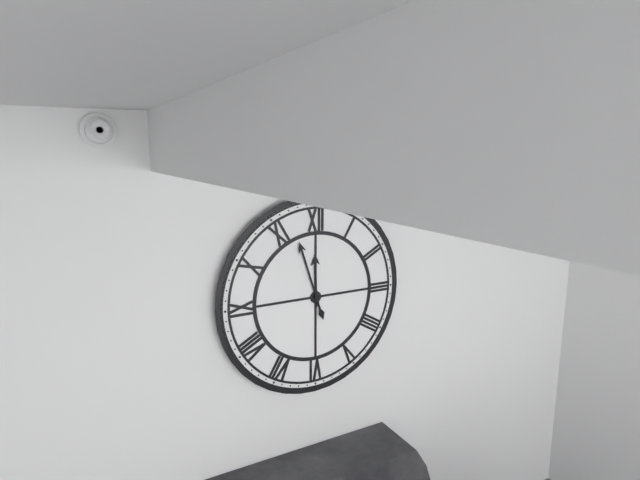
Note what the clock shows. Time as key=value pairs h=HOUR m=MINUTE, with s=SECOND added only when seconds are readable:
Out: h=11 m=57
